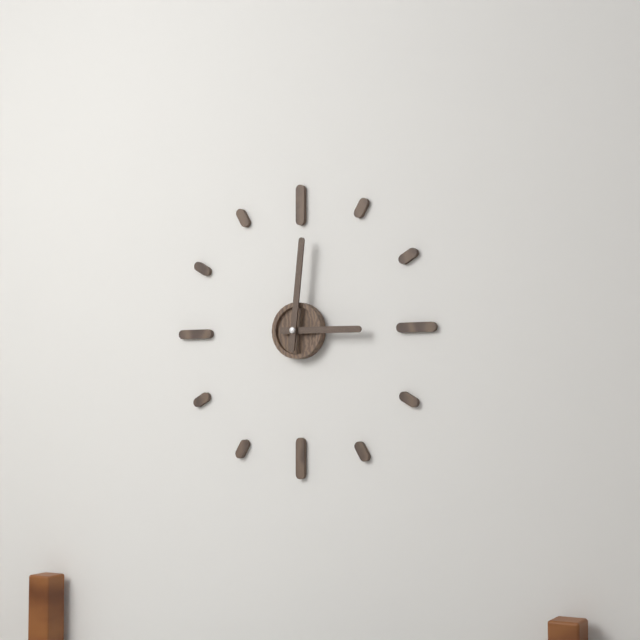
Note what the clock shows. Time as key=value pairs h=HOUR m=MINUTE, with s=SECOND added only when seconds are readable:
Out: h=3 m=1
